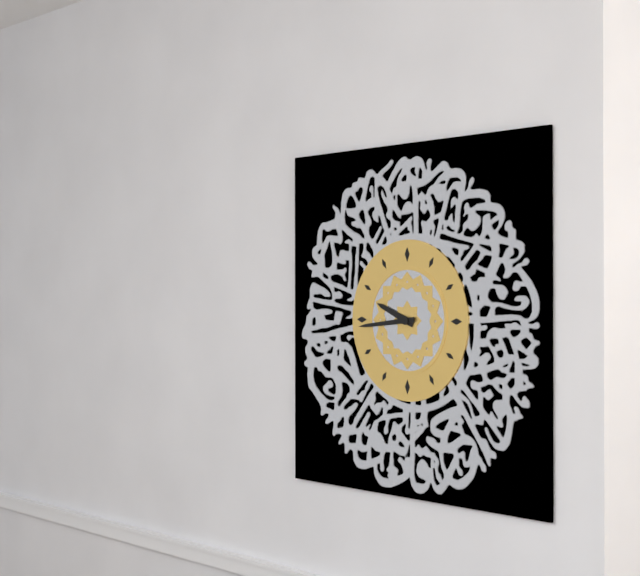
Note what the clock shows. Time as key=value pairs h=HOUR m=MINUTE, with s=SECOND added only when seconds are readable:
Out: h=9 m=44
